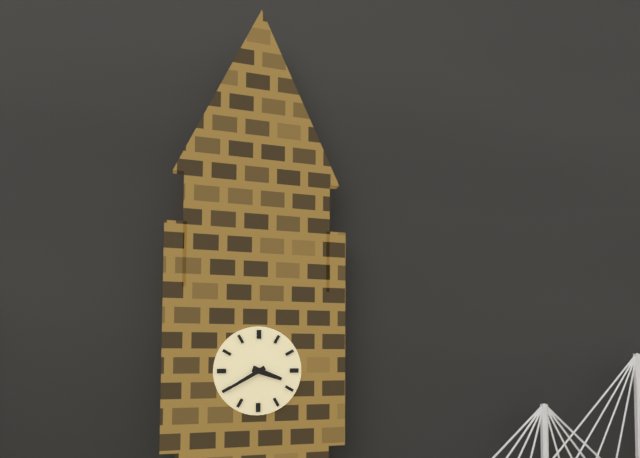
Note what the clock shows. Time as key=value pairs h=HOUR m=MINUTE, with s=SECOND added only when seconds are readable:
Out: h=3 m=40
